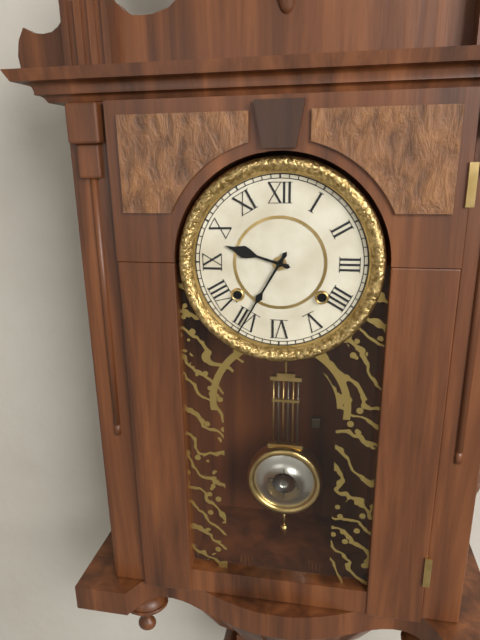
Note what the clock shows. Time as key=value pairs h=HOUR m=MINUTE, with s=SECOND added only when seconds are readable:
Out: h=9 m=35
